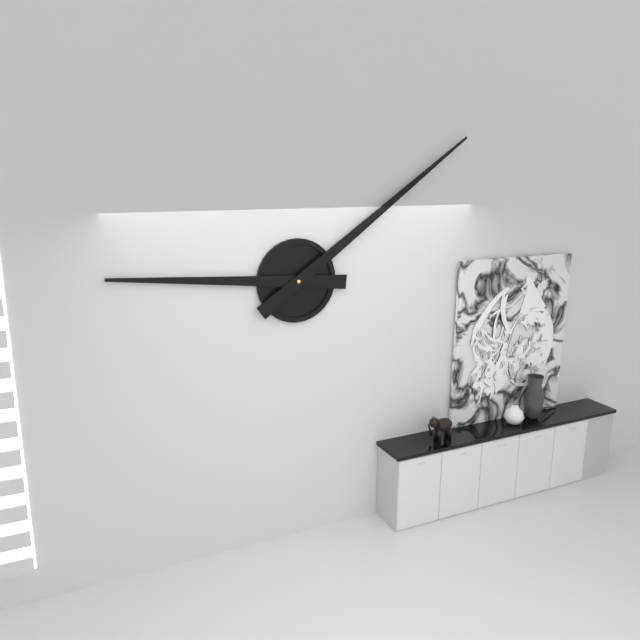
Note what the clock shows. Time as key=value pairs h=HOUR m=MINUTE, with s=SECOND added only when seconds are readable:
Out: h=9 m=9
